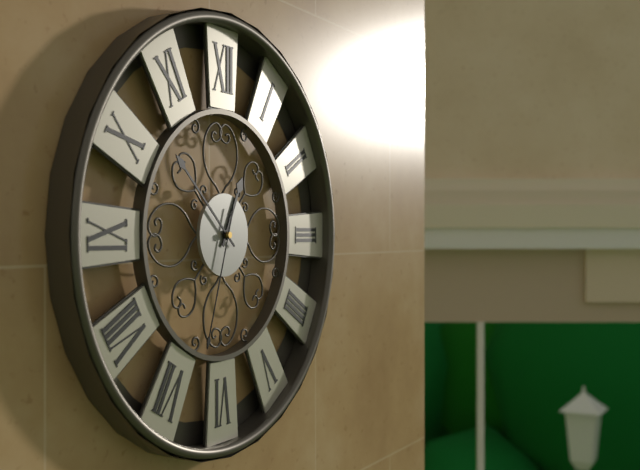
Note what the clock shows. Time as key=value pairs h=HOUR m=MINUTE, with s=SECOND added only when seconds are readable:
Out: h=12 m=52 s=33
